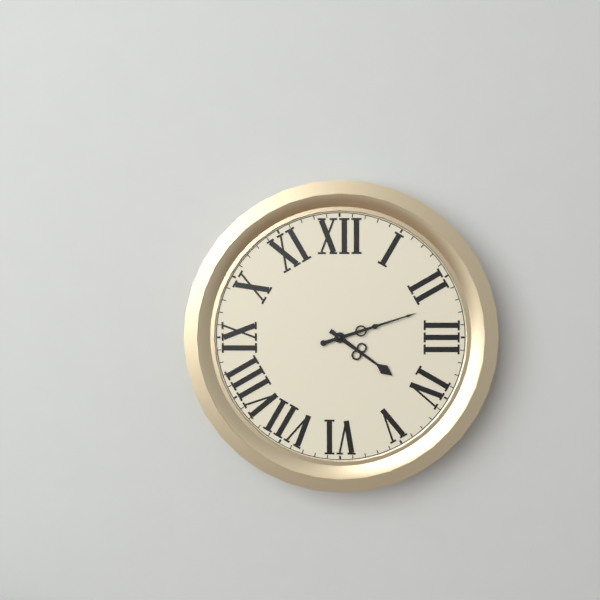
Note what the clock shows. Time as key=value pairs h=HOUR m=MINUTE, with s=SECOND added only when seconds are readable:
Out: h=4 m=12
